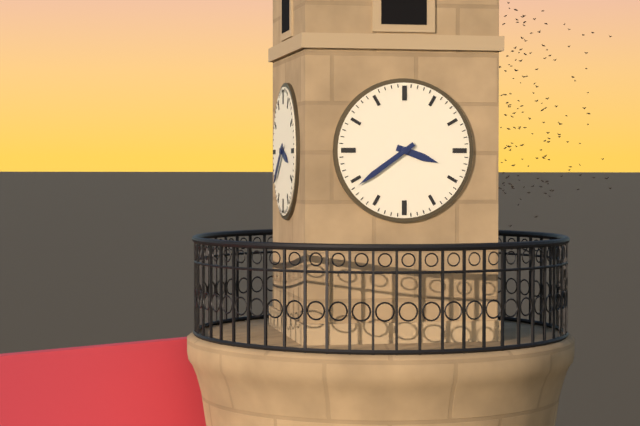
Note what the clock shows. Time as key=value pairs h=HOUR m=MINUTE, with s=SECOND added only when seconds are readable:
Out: h=3 m=39
